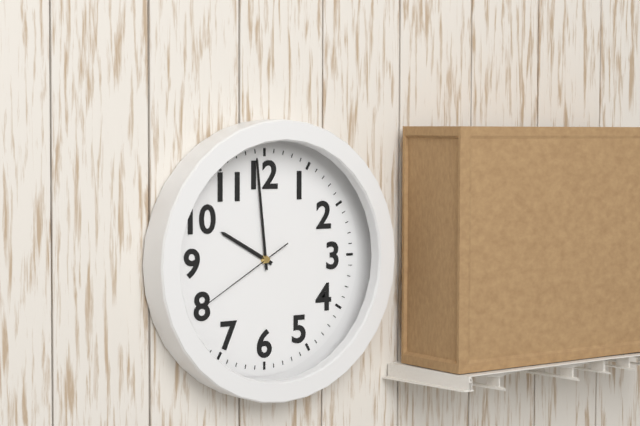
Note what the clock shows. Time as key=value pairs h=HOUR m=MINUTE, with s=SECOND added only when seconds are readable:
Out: h=9 m=59 s=40
